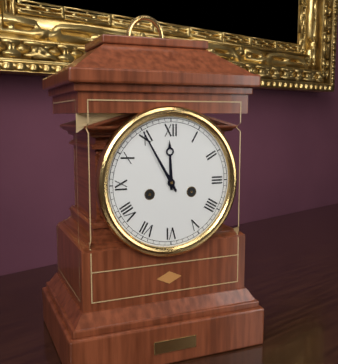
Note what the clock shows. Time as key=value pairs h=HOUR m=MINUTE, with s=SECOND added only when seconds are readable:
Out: h=11 m=55
